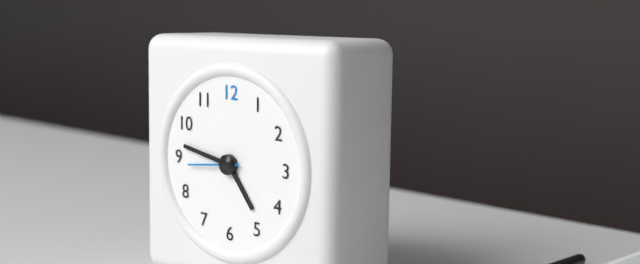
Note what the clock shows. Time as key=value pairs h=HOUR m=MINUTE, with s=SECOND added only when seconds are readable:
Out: h=4 m=47
